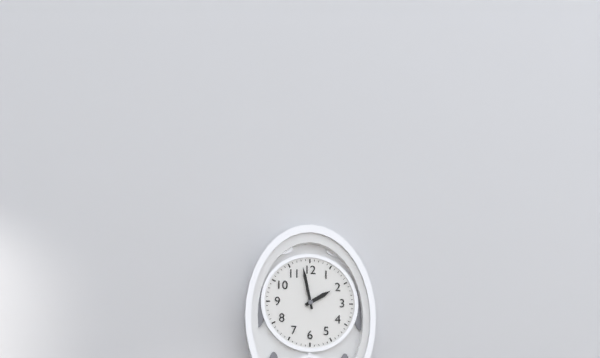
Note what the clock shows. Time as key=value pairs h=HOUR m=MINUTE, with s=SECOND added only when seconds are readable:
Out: h=1 m=58
